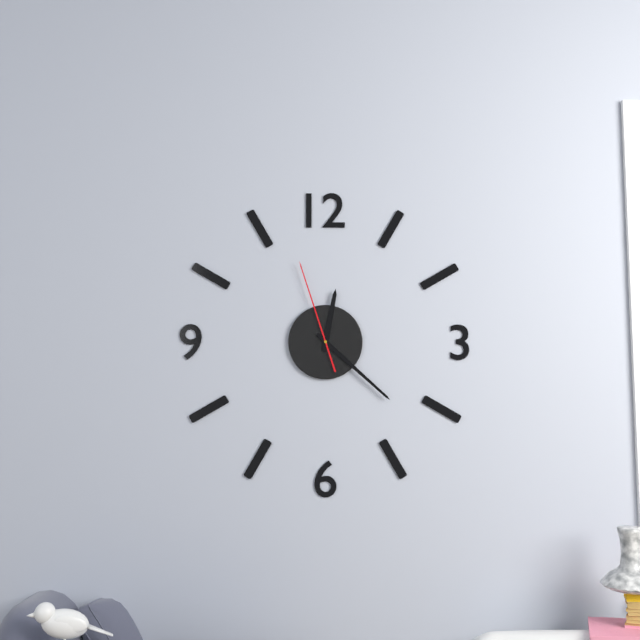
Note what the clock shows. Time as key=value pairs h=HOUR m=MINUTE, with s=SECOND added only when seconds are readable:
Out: h=12 m=22 s=57
